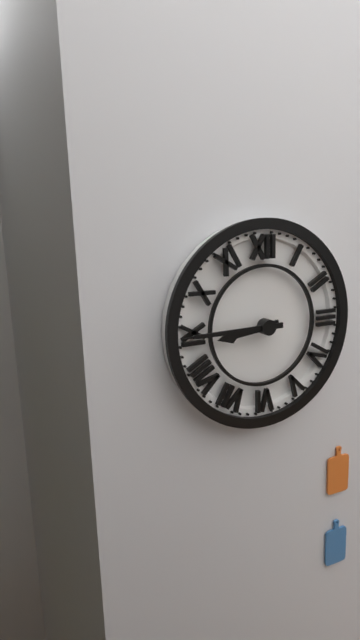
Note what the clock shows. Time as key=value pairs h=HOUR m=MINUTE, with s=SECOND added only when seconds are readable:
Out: h=8 m=45
